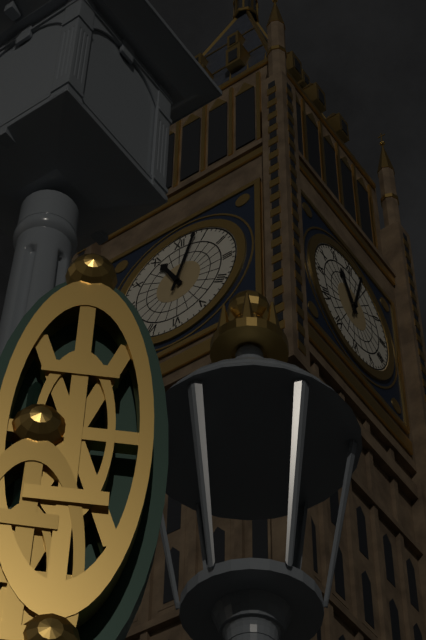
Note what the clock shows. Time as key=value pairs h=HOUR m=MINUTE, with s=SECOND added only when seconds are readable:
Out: h=11 m=3
